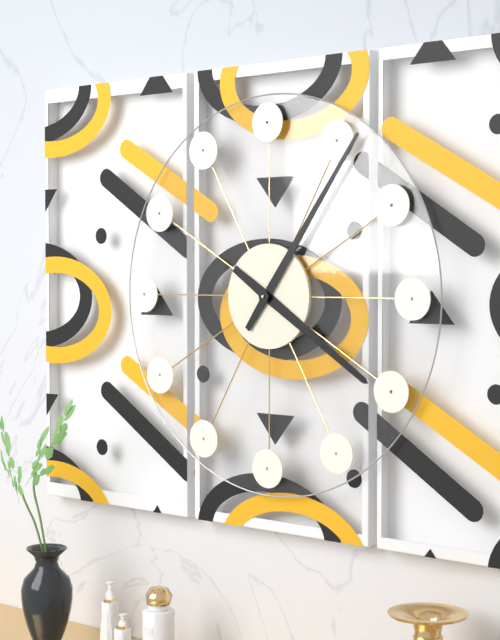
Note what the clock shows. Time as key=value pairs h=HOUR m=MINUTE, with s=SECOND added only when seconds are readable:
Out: h=4 m=6
